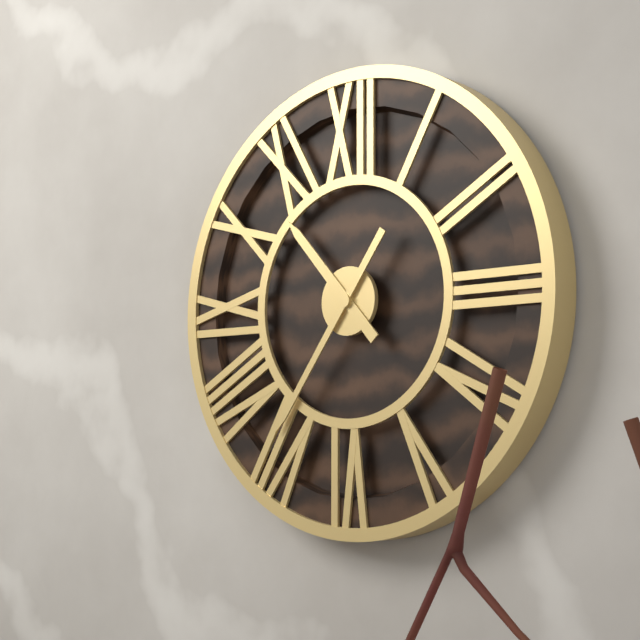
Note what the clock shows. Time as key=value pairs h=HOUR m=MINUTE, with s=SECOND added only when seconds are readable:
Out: h=10 m=36
